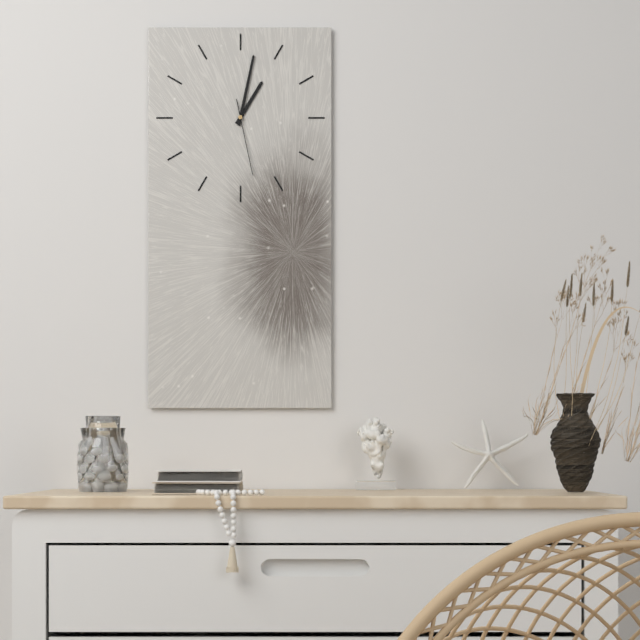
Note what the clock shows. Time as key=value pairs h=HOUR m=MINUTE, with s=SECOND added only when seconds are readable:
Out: h=1 m=2 s=28
